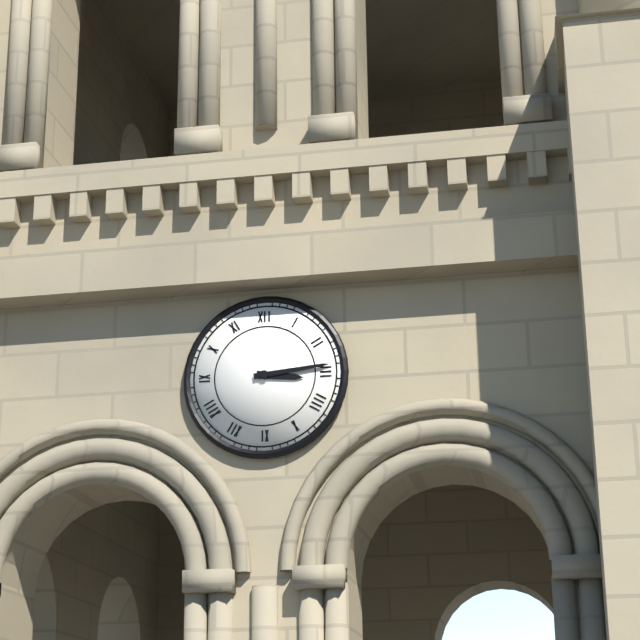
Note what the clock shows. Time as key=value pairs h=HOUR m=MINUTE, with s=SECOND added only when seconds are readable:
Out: h=3 m=14
